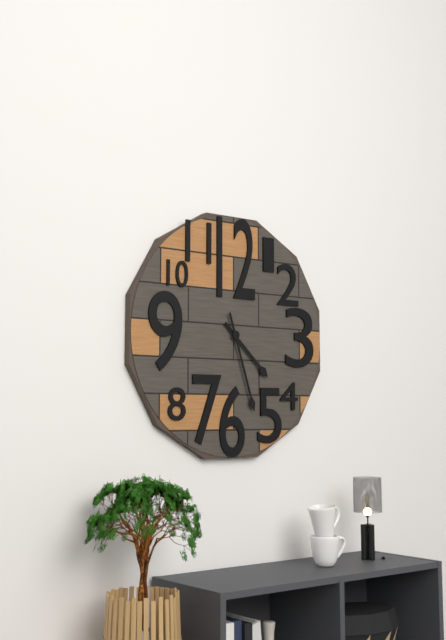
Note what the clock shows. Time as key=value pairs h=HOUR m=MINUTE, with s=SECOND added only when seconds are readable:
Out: h=4 m=27
